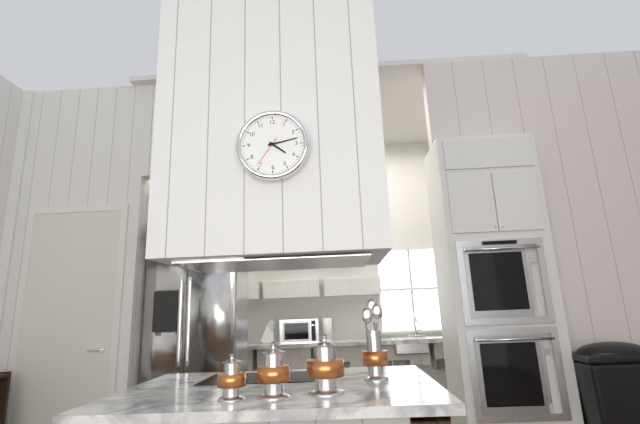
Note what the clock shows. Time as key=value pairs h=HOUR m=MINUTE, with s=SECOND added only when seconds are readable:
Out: h=4 m=13
